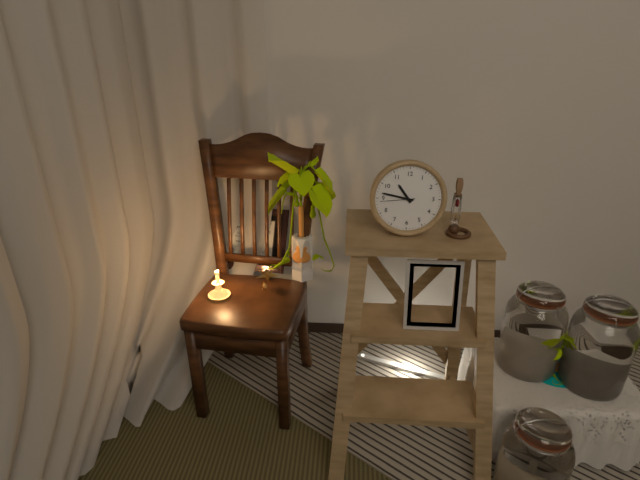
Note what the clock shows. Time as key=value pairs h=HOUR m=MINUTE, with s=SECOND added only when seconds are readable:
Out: h=10 m=47
